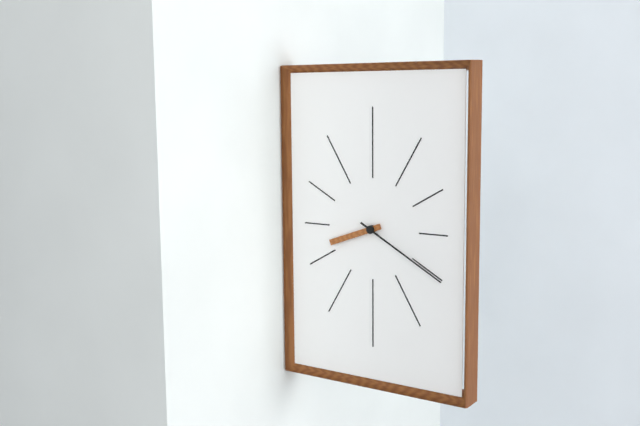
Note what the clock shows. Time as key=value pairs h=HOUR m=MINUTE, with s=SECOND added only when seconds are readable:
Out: h=8 m=20
